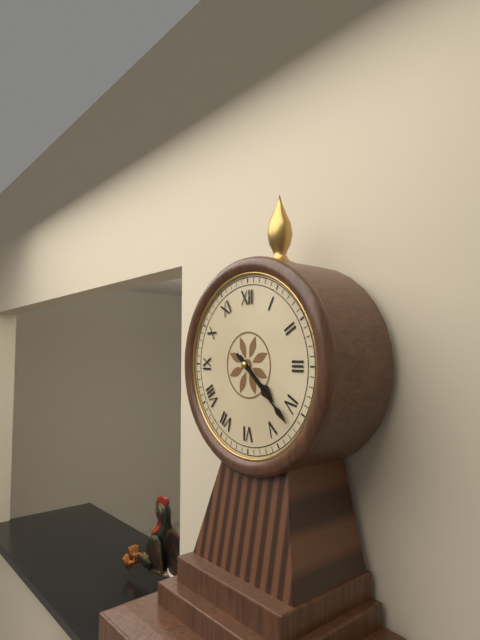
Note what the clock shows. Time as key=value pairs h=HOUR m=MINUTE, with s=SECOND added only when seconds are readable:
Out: h=4 m=22
